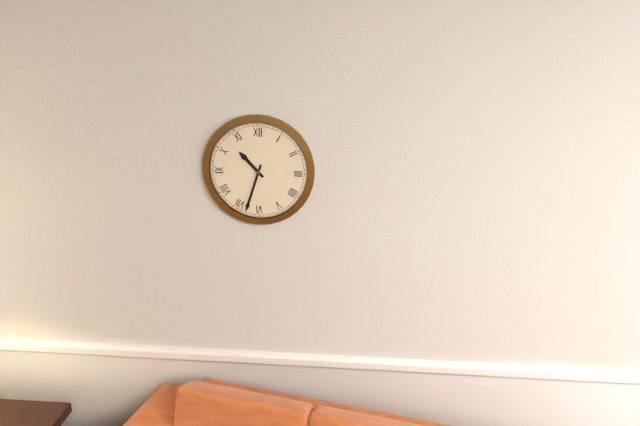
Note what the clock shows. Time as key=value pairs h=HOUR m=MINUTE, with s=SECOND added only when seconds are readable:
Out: h=10 m=33
